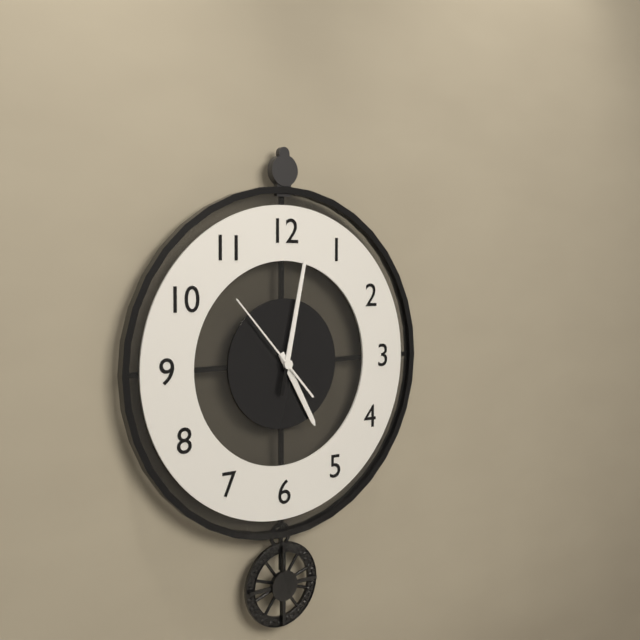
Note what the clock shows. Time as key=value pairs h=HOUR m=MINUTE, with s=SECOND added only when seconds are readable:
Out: h=5 m=2 s=53
